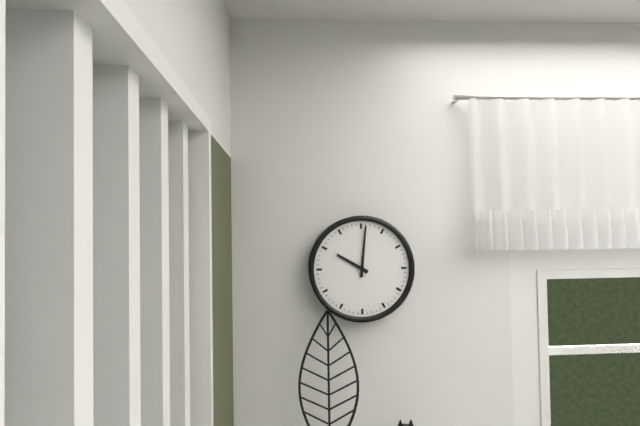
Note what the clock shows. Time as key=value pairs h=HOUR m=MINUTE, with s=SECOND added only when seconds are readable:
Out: h=10 m=1
